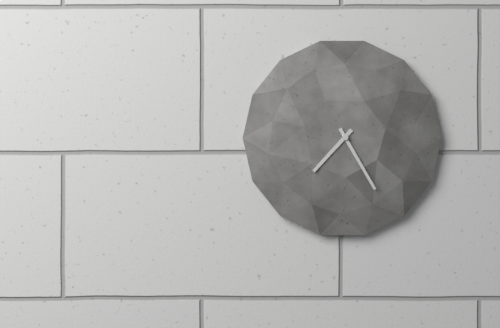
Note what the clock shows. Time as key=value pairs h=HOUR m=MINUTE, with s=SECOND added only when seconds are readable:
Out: h=7 m=25
